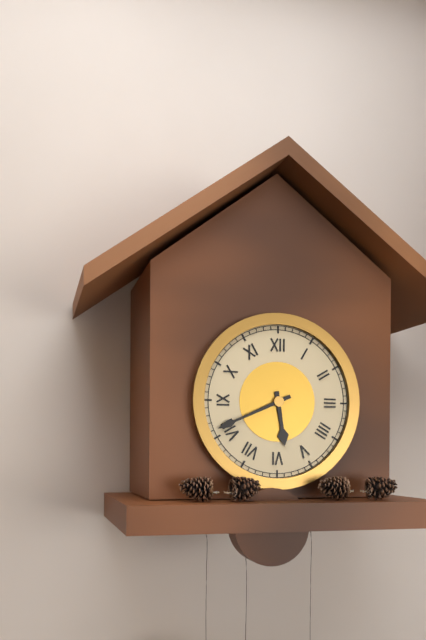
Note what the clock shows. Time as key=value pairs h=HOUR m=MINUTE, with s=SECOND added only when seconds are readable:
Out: h=5 m=41
